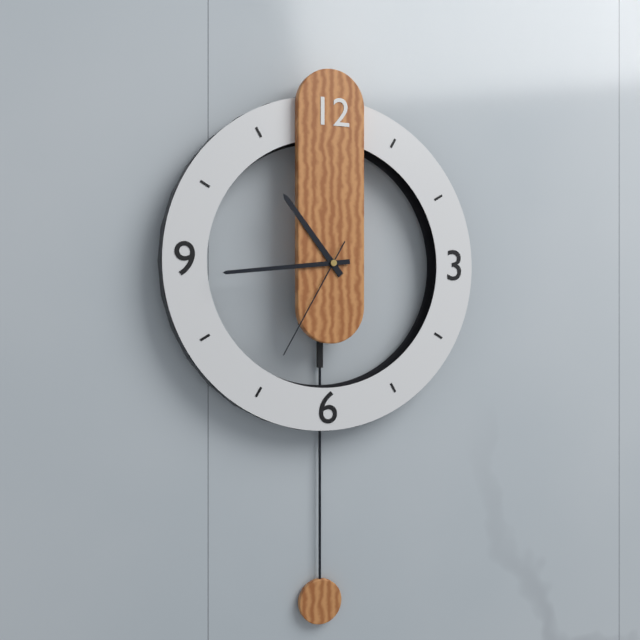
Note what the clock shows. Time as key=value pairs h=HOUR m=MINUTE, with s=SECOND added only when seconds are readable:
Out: h=10 m=44 s=35
